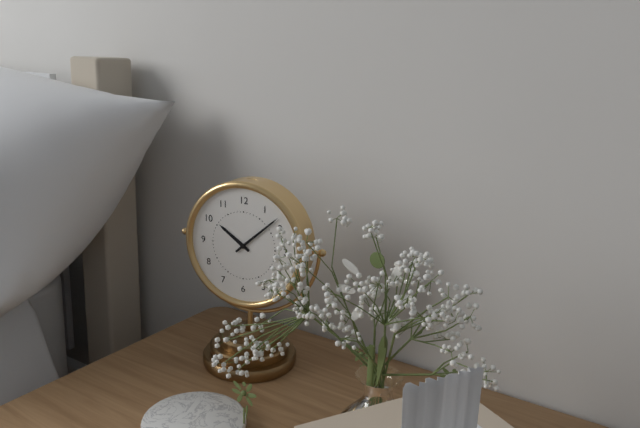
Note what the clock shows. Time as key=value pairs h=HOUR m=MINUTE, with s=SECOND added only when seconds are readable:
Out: h=10 m=8
